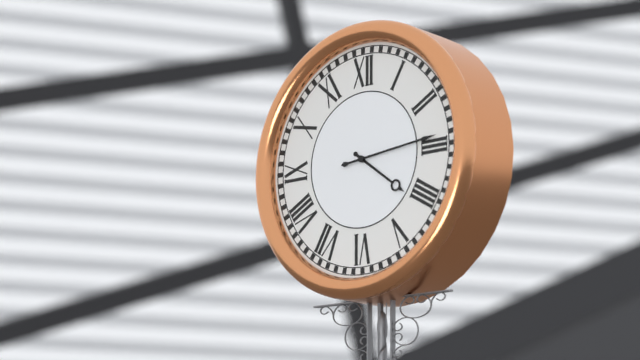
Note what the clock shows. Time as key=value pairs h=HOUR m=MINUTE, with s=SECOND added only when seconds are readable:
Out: h=4 m=14
